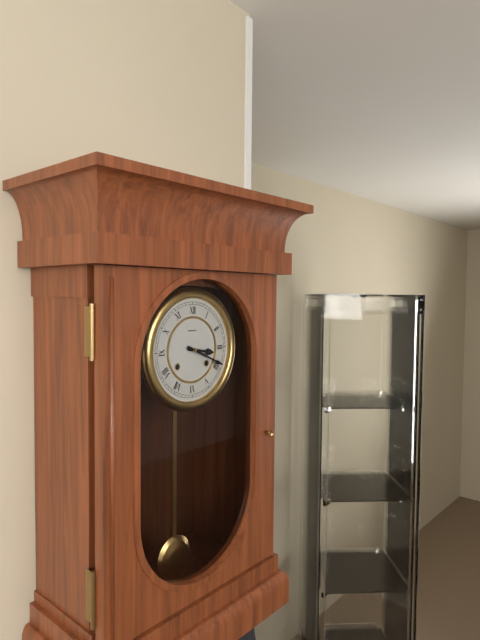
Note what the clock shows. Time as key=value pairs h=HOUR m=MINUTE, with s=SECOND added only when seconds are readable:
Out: h=3 m=19
